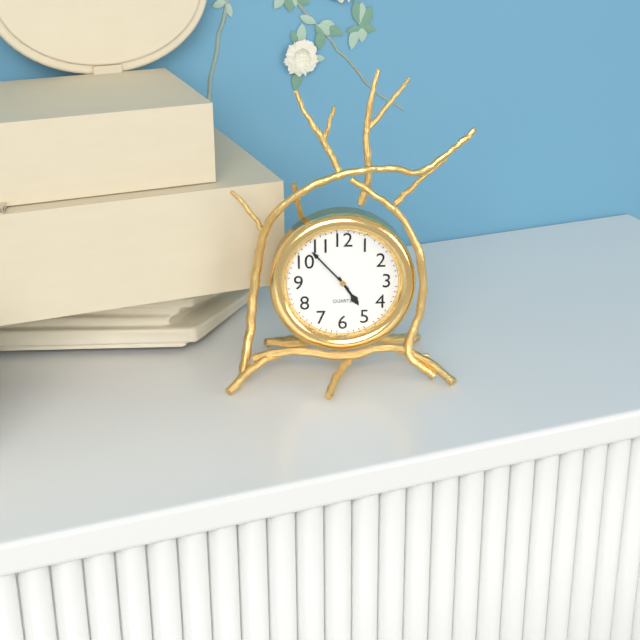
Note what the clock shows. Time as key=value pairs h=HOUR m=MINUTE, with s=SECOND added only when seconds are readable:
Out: h=4 m=53
